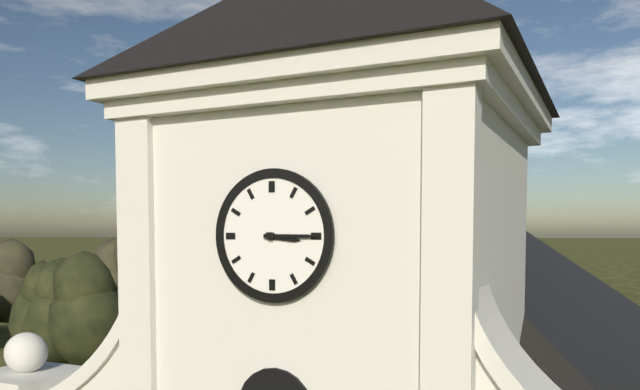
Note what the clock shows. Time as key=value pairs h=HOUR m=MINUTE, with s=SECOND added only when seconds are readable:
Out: h=3 m=15
